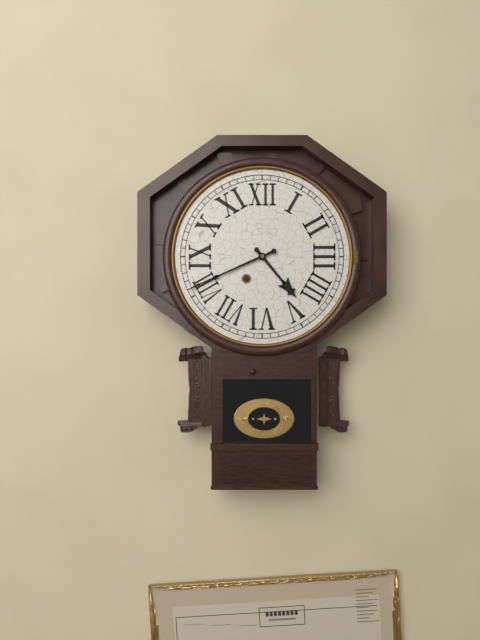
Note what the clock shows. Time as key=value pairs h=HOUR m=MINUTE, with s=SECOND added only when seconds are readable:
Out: h=4 m=41
